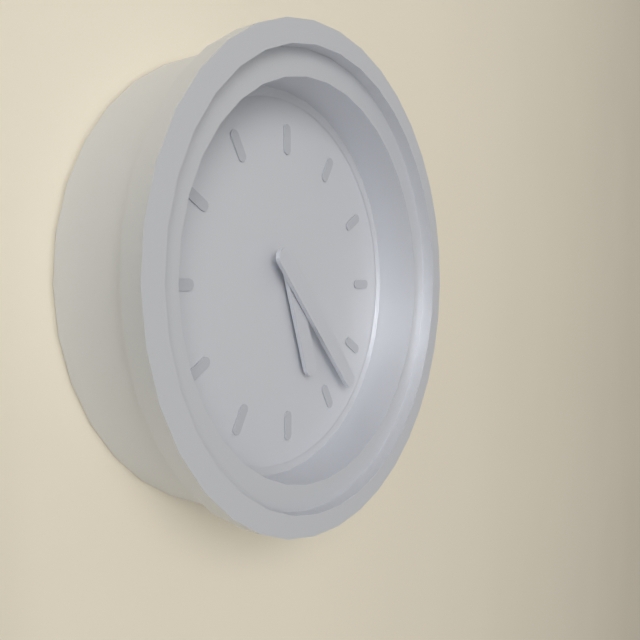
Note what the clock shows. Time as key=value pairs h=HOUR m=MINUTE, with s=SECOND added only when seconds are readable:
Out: h=5 m=23
